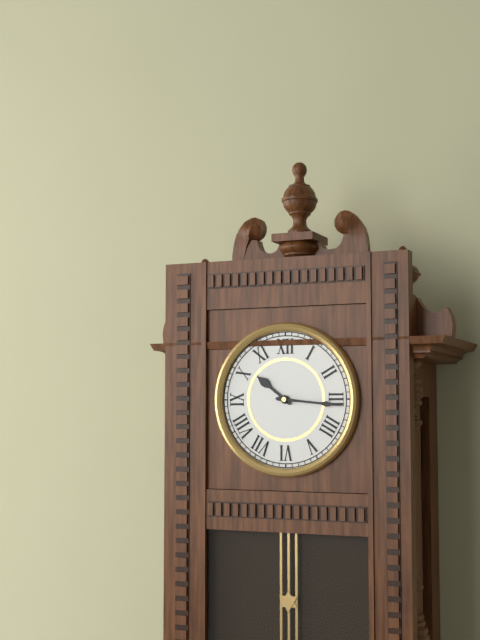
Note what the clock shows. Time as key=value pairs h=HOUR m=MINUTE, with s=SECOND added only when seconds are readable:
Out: h=10 m=16
